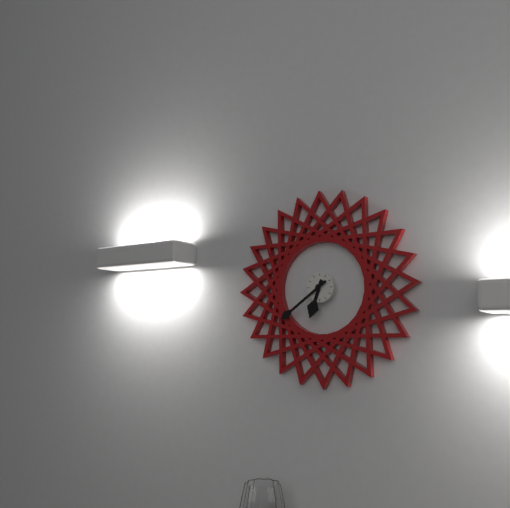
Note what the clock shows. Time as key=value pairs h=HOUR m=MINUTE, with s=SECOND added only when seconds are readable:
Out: h=6 m=39
